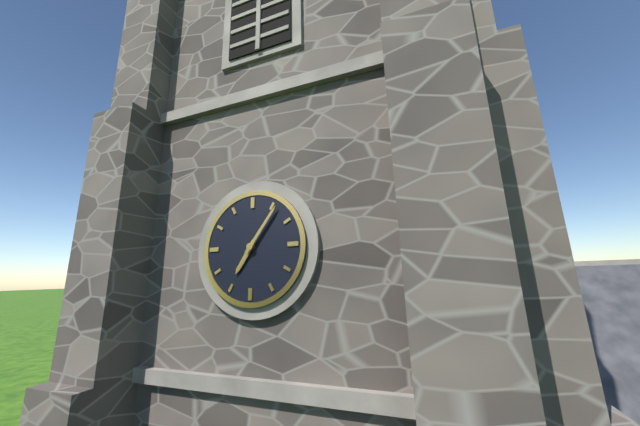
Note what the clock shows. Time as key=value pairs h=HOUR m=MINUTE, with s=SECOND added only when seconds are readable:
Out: h=7 m=6
